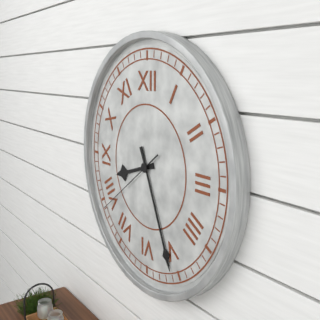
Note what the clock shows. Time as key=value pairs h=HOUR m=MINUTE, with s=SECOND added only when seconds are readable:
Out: h=8 m=26 s=39
